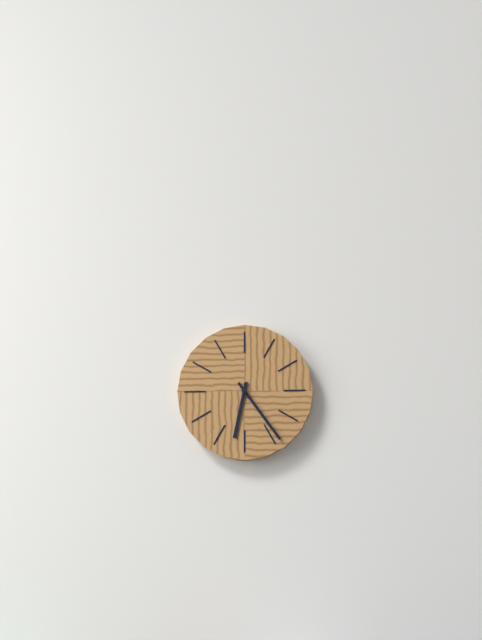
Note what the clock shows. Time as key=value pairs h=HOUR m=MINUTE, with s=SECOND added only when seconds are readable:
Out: h=6 m=24
